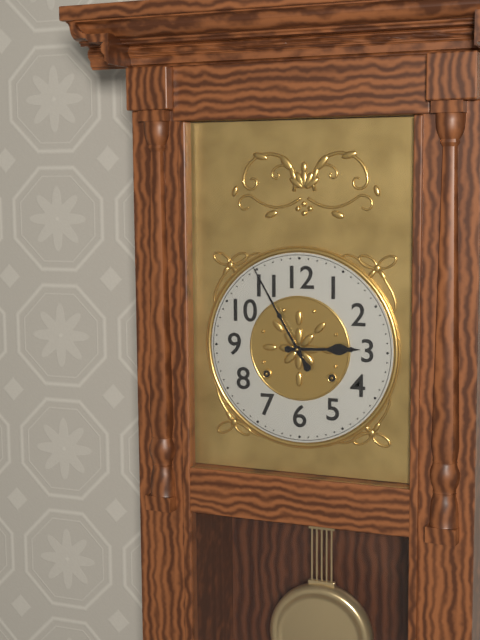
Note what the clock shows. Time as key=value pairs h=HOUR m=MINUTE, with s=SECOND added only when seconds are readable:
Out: h=2 m=55
